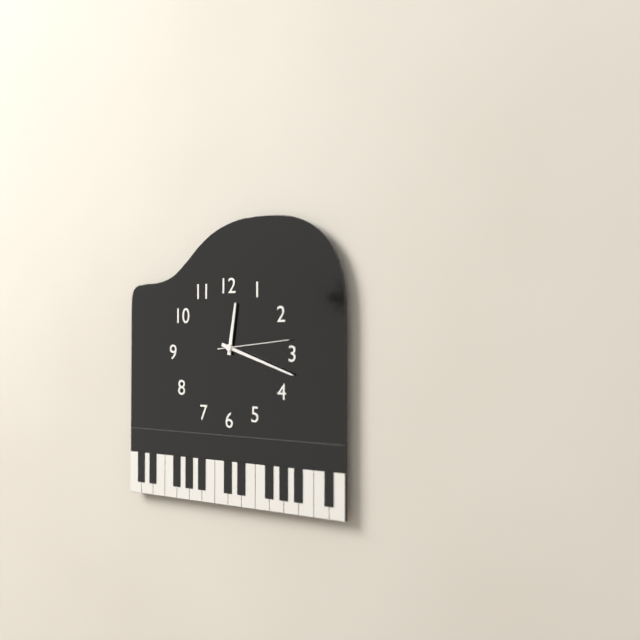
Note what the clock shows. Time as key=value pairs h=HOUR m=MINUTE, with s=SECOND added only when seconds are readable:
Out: h=12 m=18 s=14
